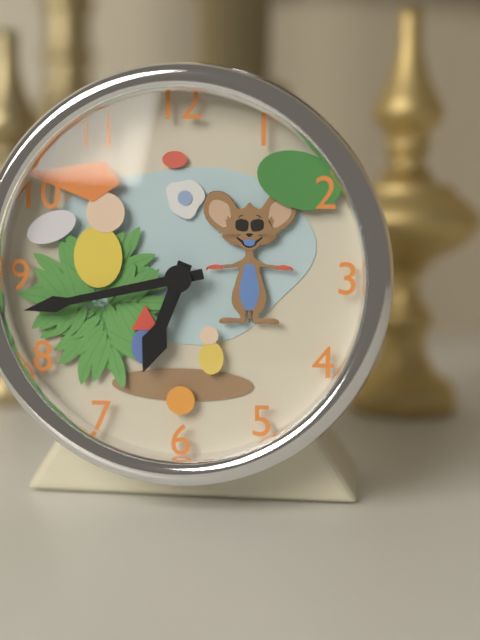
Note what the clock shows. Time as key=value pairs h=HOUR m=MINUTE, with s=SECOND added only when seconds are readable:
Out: h=6 m=43
